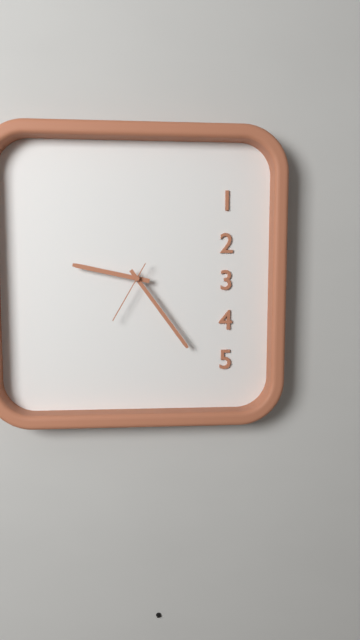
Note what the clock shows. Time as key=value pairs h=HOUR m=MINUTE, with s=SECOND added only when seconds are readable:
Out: h=9 m=24 s=35
